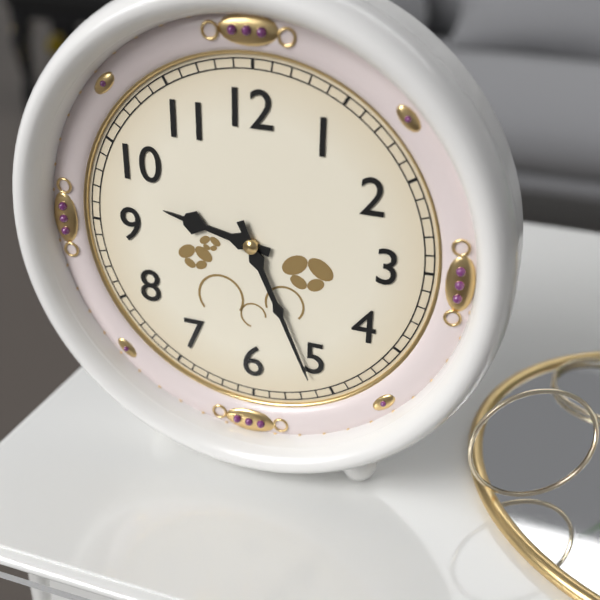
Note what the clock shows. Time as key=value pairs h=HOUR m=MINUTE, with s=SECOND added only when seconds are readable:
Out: h=9 m=26
